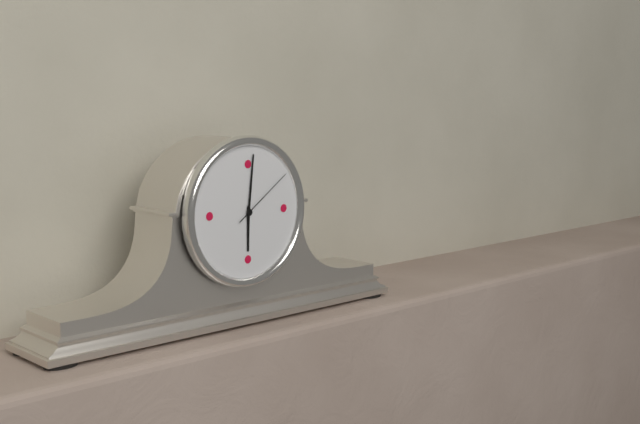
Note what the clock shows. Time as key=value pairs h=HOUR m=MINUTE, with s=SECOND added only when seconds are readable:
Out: h=6 m=1 s=9
